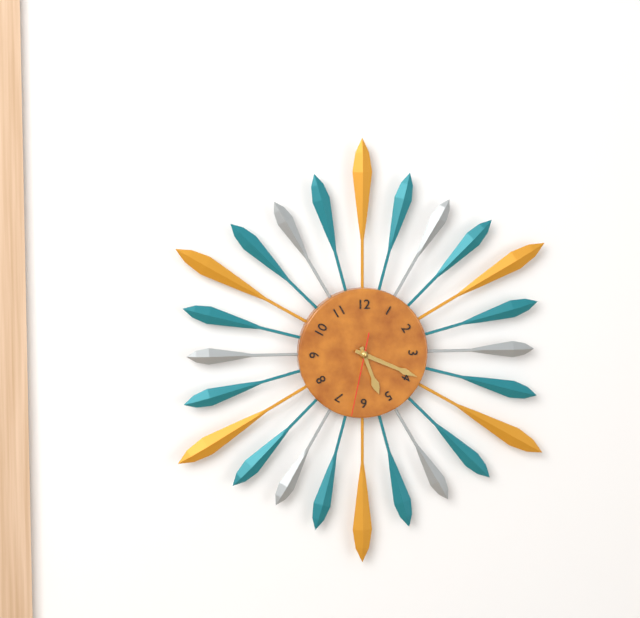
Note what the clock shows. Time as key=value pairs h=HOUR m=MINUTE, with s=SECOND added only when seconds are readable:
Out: h=5 m=19 s=32
